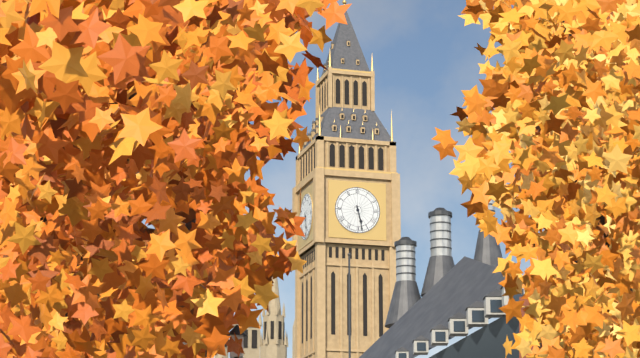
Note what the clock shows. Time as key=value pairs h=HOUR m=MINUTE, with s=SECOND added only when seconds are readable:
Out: h=5 m=28
